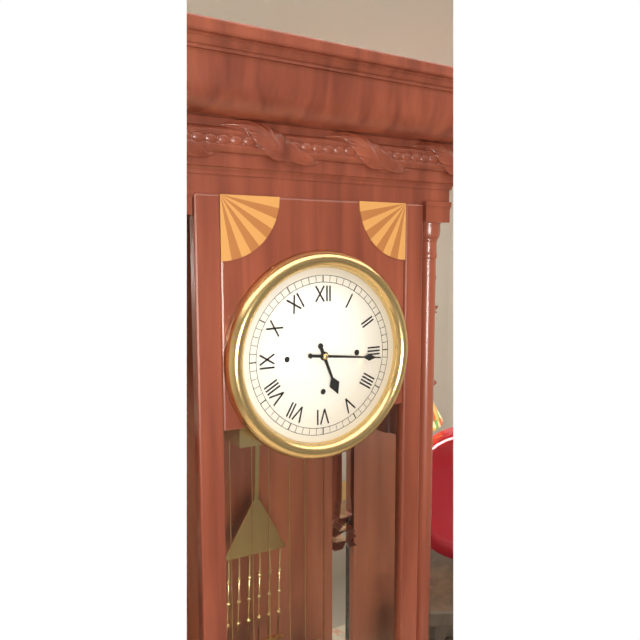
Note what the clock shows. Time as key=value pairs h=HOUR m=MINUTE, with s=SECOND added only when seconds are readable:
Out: h=5 m=16
